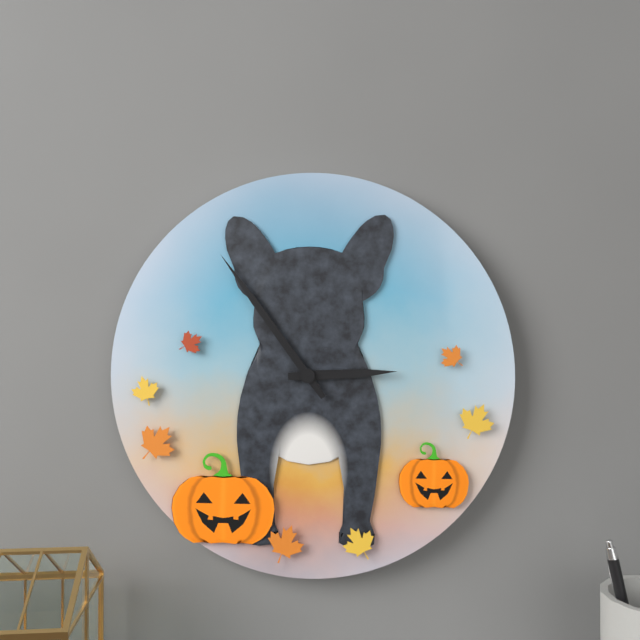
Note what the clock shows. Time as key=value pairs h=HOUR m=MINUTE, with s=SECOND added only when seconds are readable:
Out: h=2 m=54
